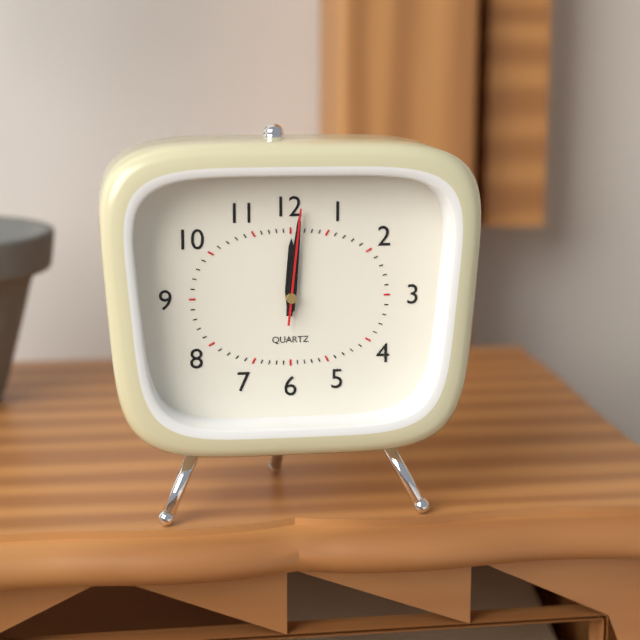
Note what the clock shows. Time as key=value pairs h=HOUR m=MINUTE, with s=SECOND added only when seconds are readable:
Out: h=12 m=1 s=1
